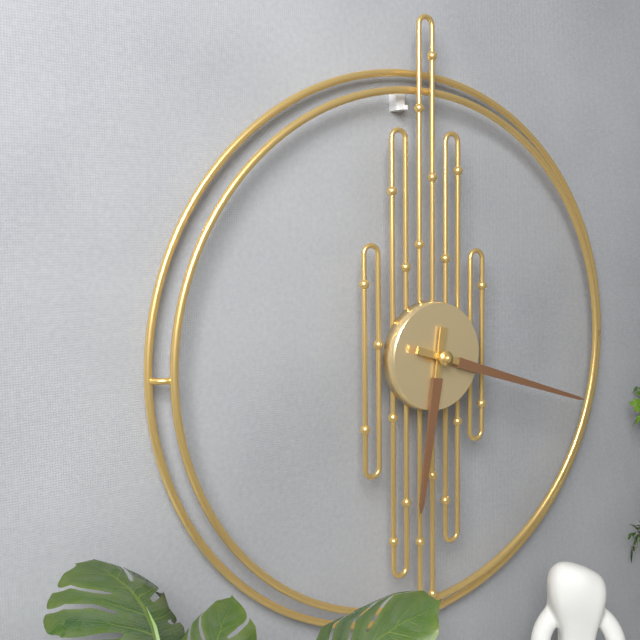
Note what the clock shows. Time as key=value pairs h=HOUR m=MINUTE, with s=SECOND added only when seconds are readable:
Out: h=6 m=18
